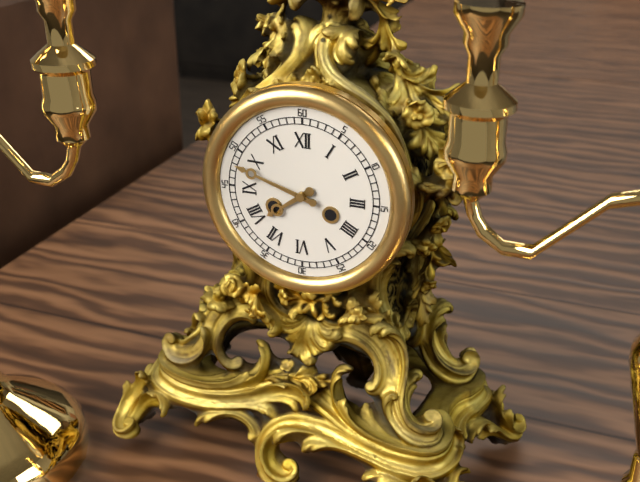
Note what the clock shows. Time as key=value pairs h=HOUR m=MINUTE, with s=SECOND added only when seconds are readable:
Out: h=7 m=48
